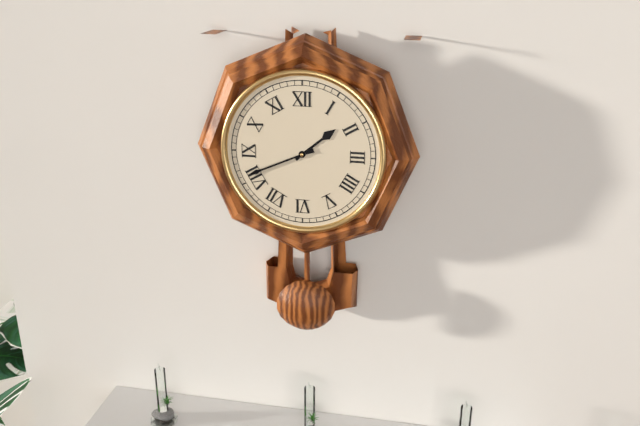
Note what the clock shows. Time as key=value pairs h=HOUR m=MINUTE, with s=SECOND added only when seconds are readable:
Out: h=1 m=41
